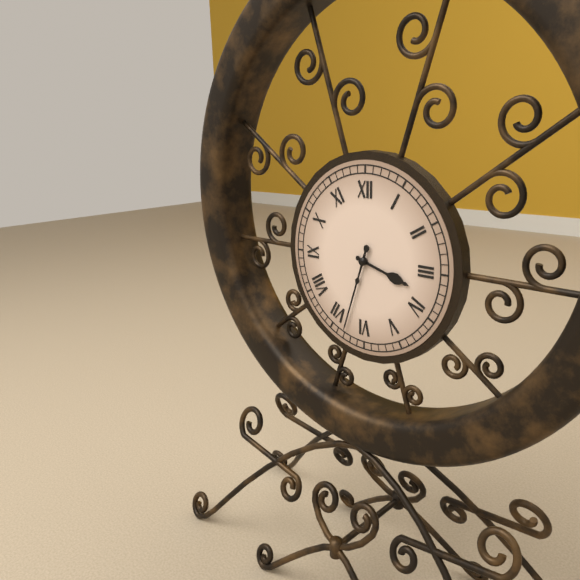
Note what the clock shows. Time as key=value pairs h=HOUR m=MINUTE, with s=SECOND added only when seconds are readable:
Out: h=3 m=33
